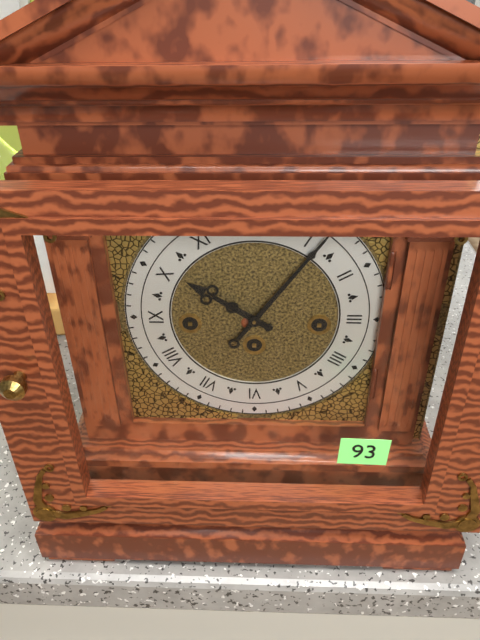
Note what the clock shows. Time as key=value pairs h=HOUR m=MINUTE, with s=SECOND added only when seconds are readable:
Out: h=10 m=6
